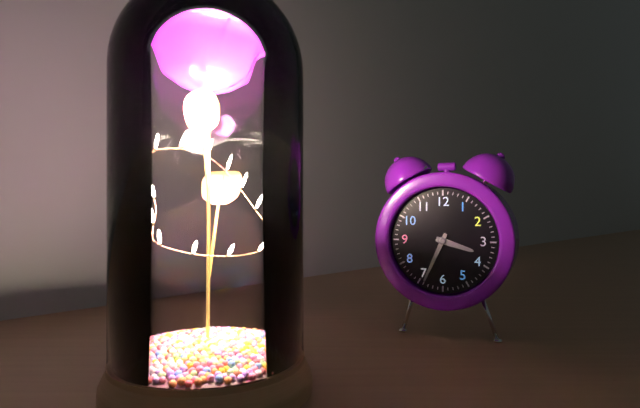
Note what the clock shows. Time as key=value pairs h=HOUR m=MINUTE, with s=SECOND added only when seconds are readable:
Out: h=3 m=34
